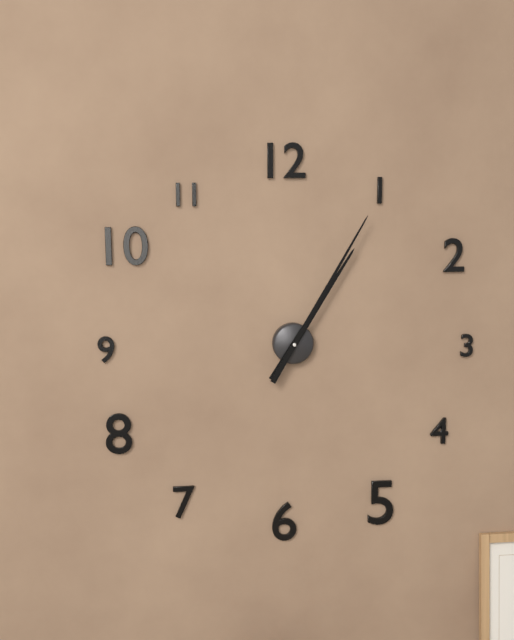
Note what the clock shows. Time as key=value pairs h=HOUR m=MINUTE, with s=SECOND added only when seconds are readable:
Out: h=1 m=5
